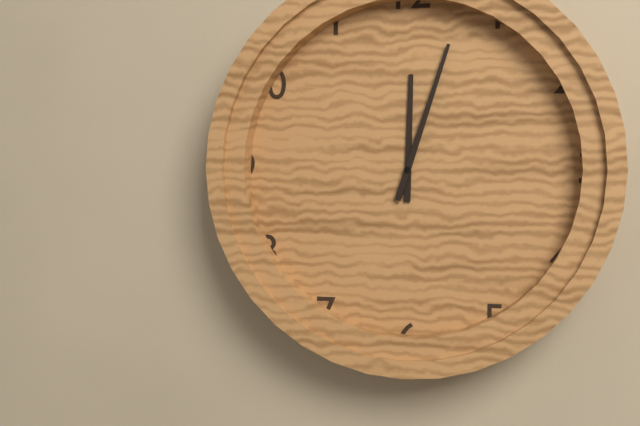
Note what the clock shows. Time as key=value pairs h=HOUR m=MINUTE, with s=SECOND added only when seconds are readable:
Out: h=12 m=3
